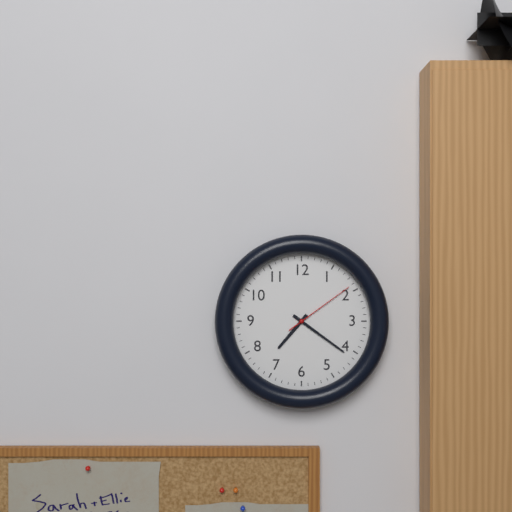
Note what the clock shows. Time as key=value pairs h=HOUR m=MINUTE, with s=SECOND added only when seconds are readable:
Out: h=7 m=21 s=9
